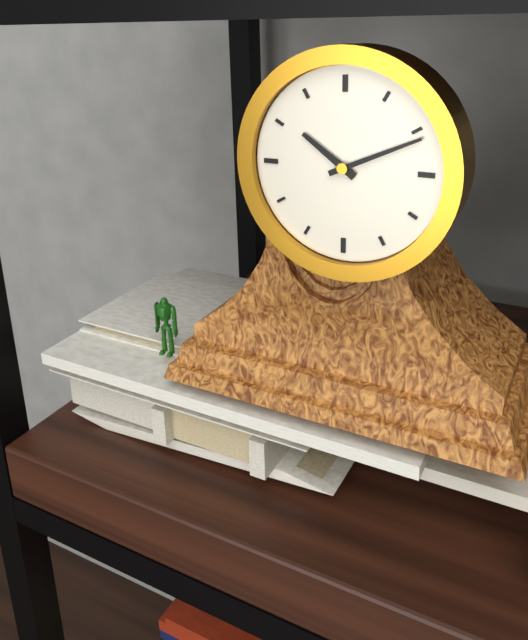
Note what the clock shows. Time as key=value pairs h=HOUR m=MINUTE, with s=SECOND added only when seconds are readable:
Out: h=10 m=11
